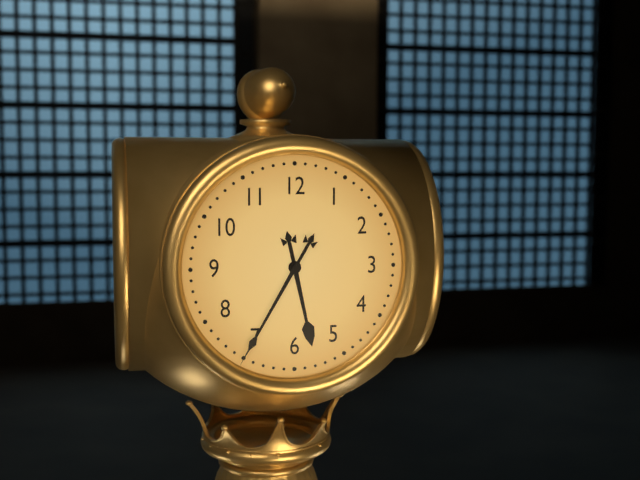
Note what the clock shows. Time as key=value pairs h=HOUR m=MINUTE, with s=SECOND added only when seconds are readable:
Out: h=5 m=35
